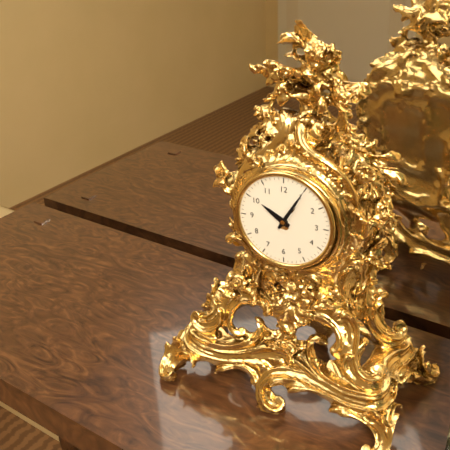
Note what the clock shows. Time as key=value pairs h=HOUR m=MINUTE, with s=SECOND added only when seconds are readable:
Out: h=10 m=5
